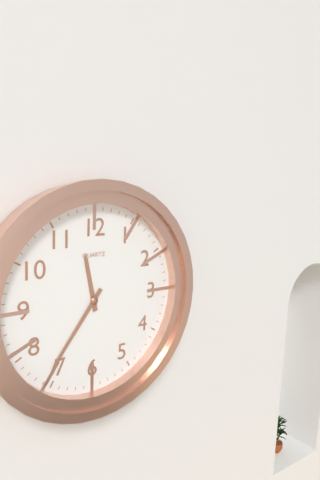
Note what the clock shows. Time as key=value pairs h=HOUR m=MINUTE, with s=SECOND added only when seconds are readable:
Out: h=11 m=36
